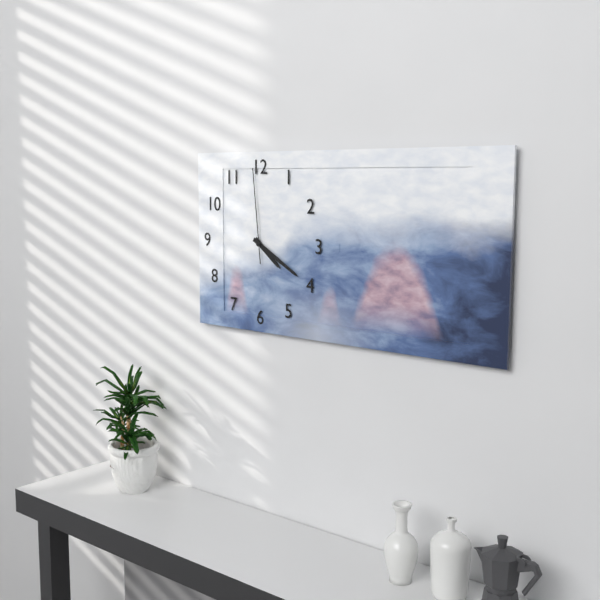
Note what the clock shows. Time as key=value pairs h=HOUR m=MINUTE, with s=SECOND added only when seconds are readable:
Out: h=4 m=20 s=59
